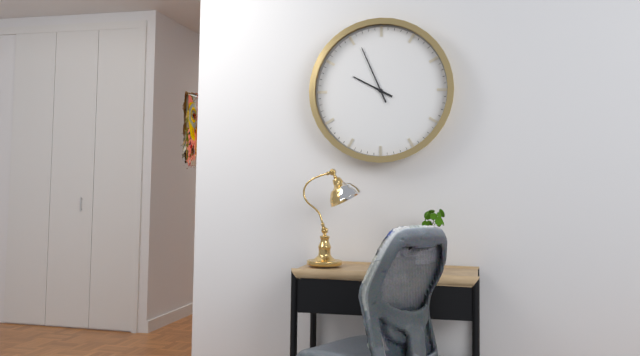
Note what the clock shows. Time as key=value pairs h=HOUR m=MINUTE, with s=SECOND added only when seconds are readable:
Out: h=9 m=56
